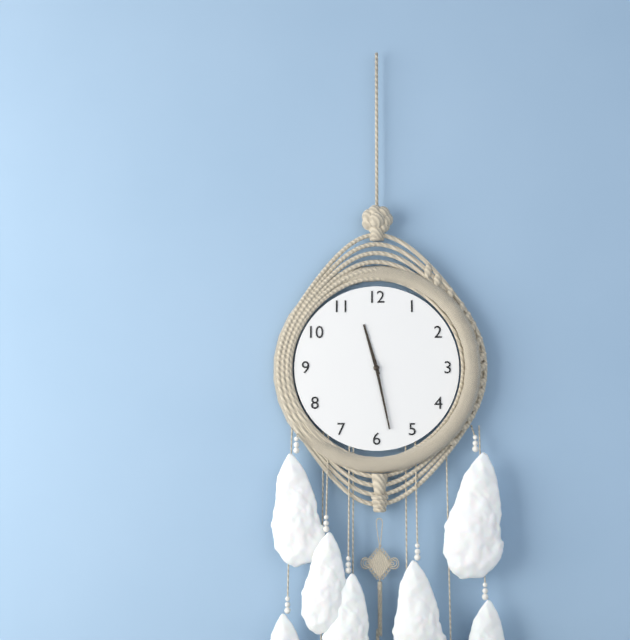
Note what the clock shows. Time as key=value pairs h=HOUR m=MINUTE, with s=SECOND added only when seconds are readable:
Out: h=11 m=28
